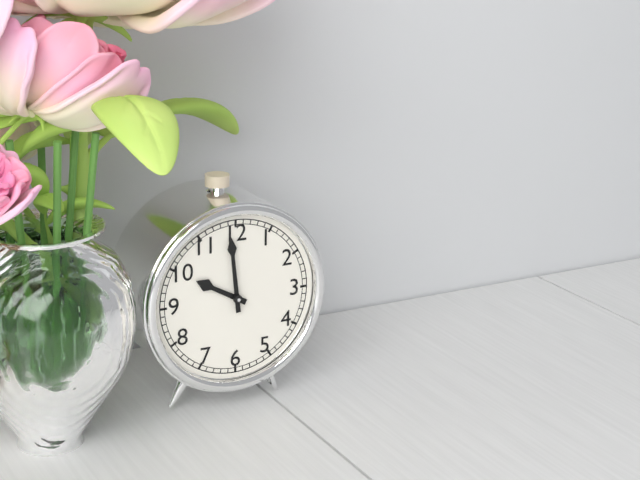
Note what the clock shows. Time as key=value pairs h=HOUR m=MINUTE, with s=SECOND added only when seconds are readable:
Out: h=9 m=59
